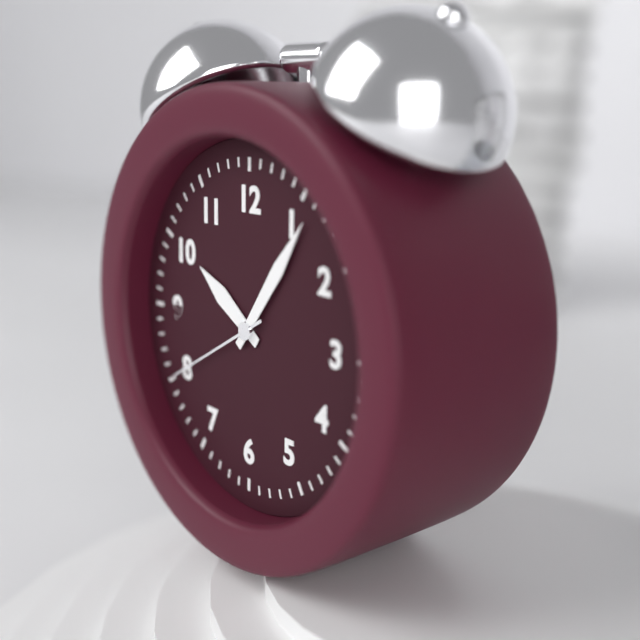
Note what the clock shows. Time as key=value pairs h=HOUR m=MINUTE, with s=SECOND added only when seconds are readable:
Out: h=10 m=6 s=40
